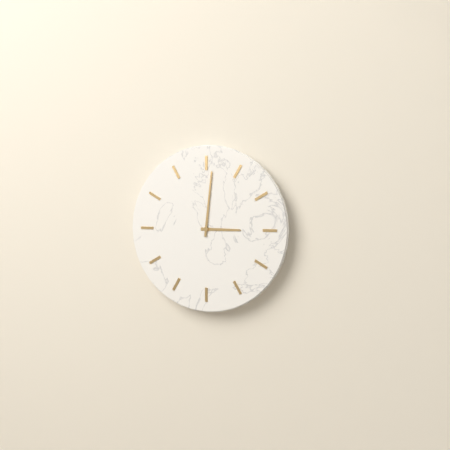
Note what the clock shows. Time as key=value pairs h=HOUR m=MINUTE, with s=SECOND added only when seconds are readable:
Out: h=3 m=1
